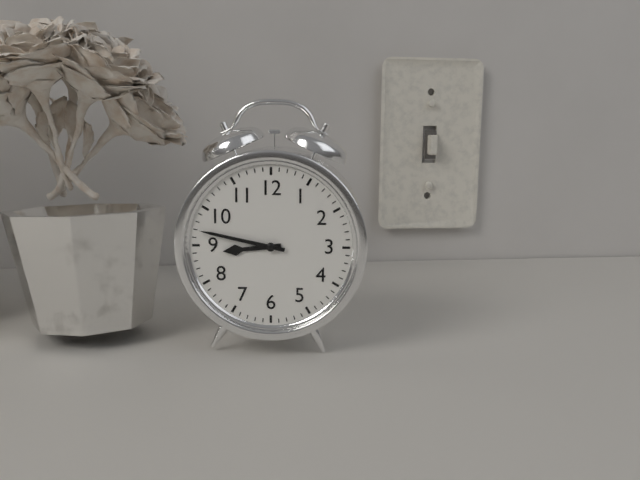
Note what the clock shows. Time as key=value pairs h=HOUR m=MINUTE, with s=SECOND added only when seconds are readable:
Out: h=8 m=47
